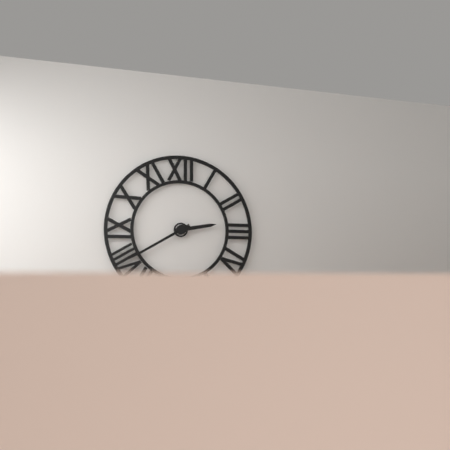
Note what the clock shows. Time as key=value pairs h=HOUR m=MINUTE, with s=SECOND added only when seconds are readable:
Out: h=2 m=40
